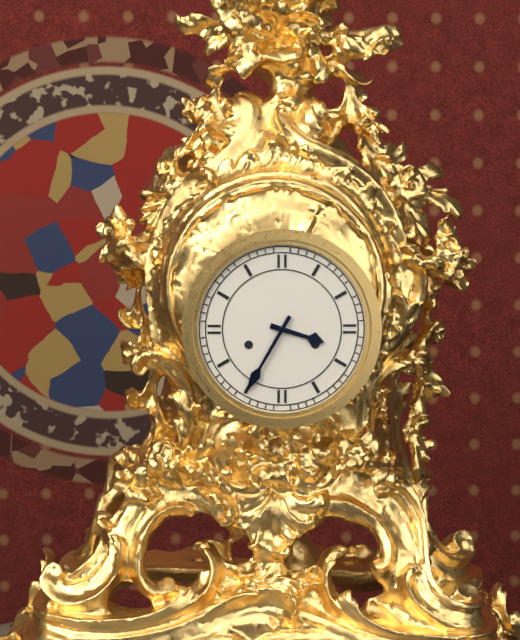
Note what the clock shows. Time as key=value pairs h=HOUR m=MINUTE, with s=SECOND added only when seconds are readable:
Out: h=3 m=35
